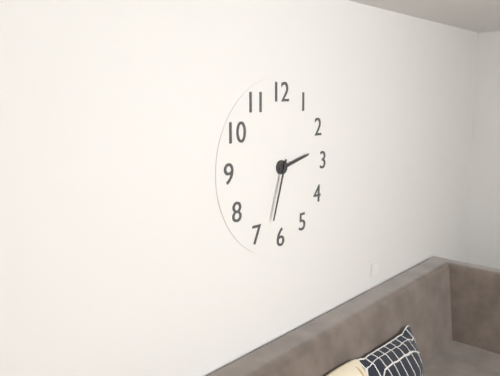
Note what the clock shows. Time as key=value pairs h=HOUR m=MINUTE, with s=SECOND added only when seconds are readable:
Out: h=2 m=33
